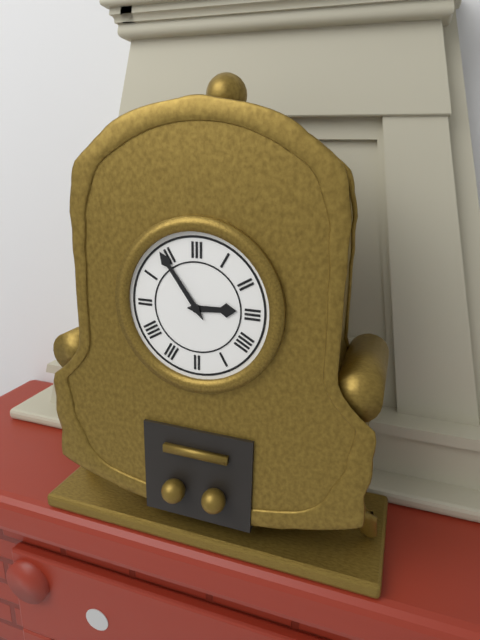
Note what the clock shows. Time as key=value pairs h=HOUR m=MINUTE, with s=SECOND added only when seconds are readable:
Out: h=2 m=54
